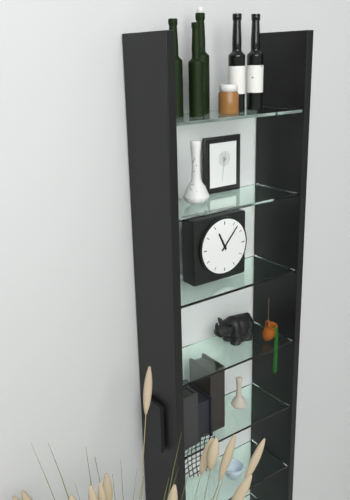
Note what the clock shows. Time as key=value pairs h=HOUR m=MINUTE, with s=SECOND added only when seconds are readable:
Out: h=11 m=7
